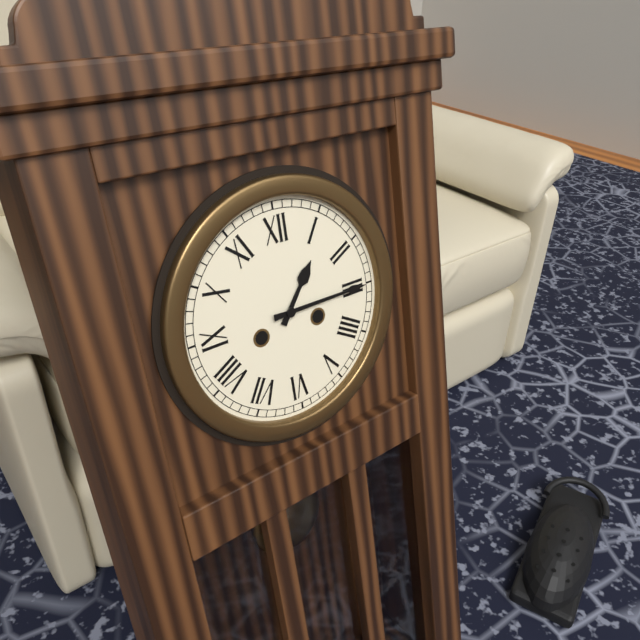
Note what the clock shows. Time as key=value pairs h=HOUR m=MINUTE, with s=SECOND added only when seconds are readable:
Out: h=1 m=15
